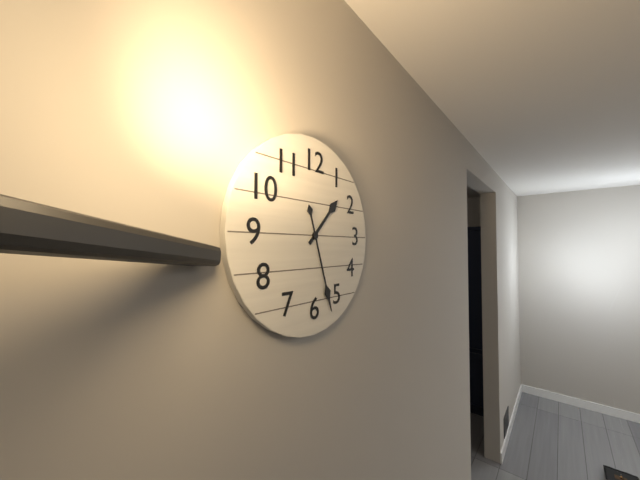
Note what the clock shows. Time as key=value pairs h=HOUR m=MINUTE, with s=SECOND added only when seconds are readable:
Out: h=1 m=27
